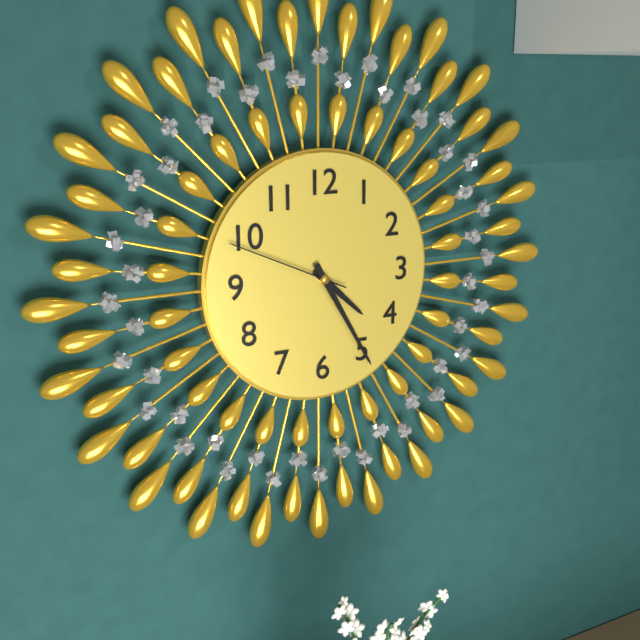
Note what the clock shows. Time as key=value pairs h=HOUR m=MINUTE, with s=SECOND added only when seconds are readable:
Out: h=4 m=25 s=49
